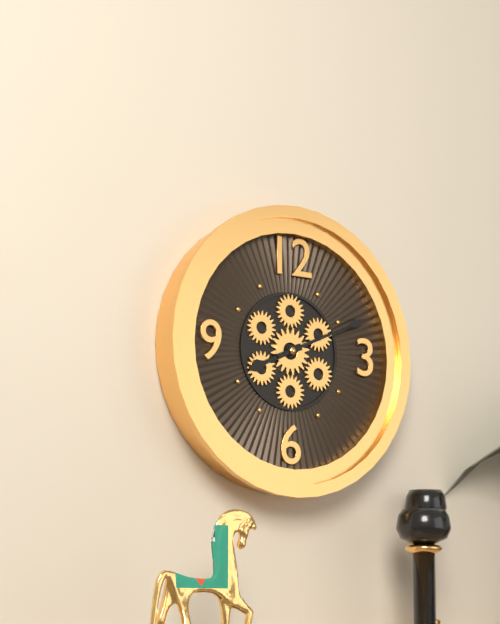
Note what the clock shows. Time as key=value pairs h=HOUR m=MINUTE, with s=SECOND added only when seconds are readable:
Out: h=8 m=11
